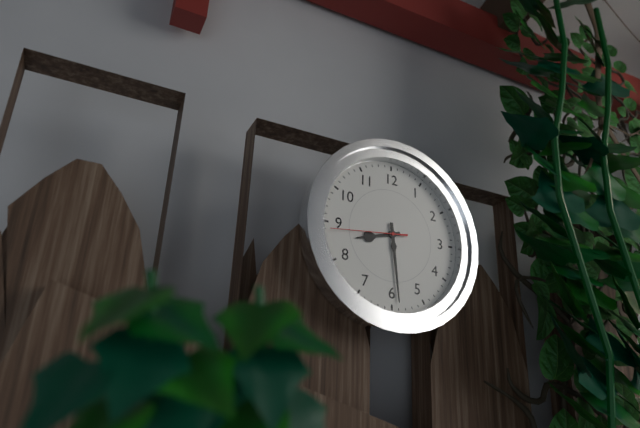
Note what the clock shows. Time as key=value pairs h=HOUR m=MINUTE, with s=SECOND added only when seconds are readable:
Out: h=8 m=29 s=44
